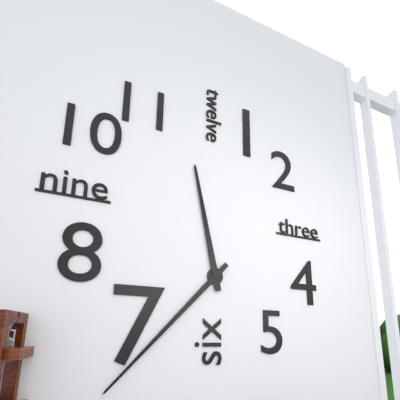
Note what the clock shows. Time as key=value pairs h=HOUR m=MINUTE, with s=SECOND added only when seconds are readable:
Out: h=11 m=37
